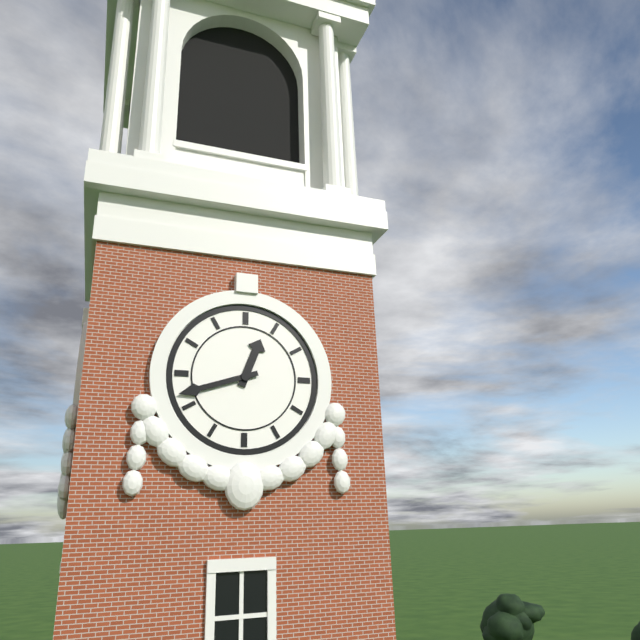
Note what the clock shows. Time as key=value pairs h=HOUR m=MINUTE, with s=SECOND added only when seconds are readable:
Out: h=12 m=42
